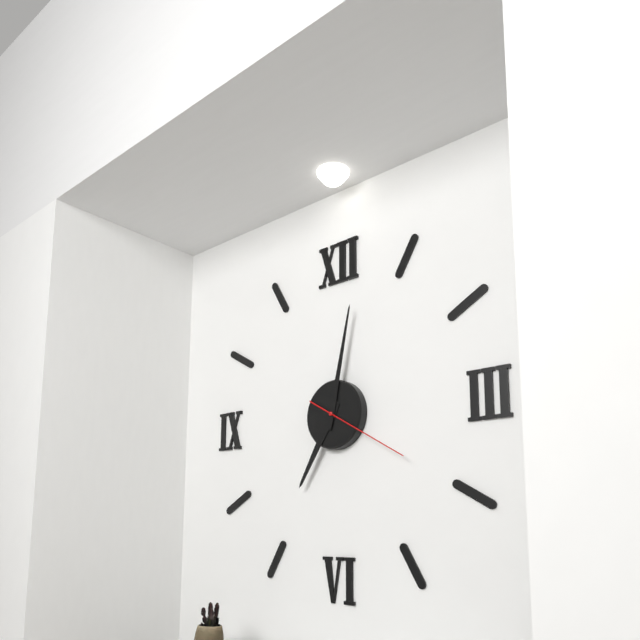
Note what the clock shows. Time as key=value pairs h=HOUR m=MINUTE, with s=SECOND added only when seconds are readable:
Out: h=7 m=2 s=20
